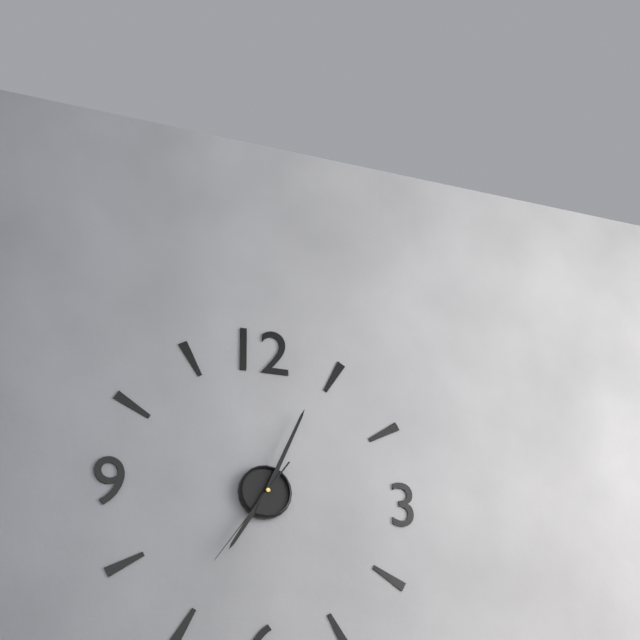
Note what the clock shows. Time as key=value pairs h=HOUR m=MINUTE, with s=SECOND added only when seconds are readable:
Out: h=7 m=4 s=36
